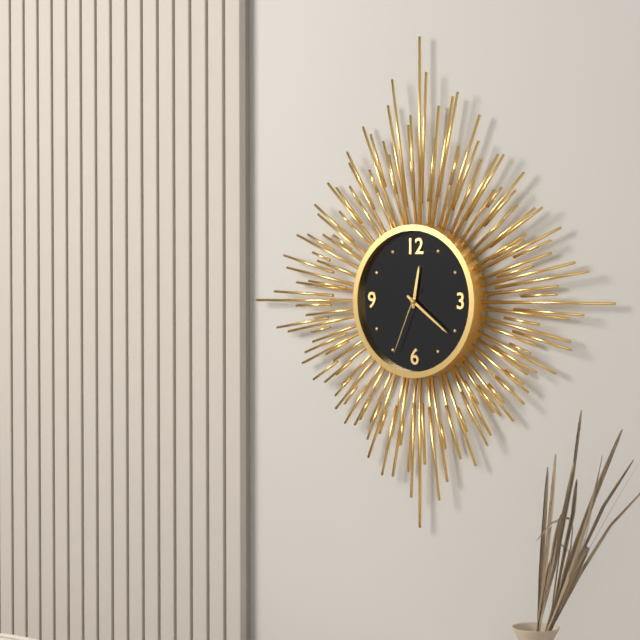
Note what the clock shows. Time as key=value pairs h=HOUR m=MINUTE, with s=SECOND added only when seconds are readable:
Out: h=12 m=21 s=34
